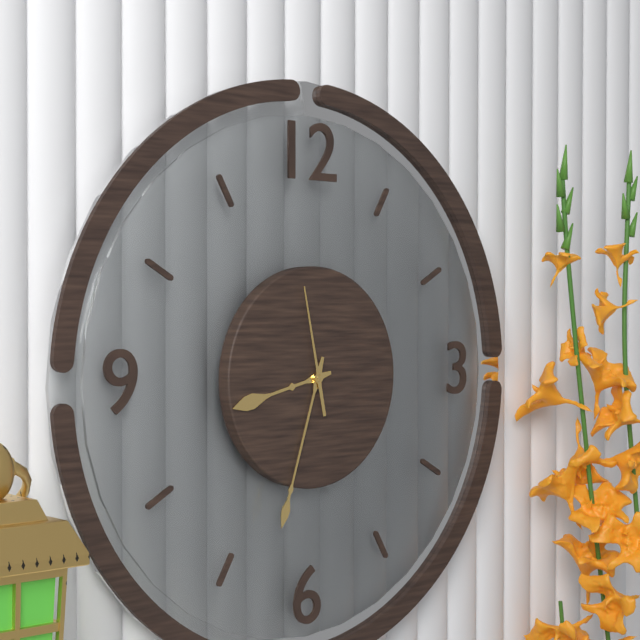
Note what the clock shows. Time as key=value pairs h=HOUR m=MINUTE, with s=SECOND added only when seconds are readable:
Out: h=8 m=33 s=58
